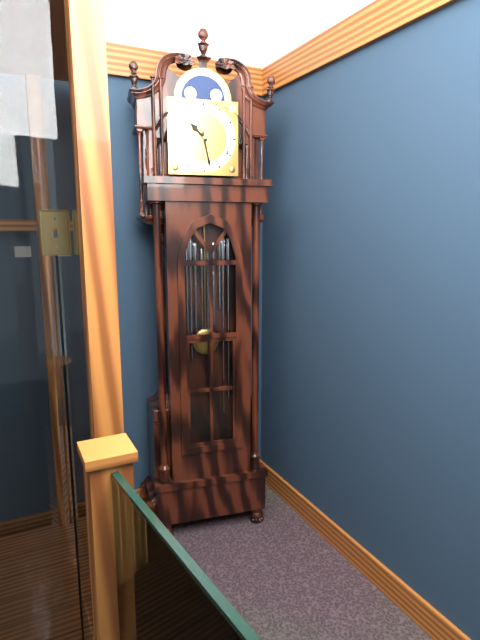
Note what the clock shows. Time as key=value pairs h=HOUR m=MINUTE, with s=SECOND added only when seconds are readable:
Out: h=10 m=28
